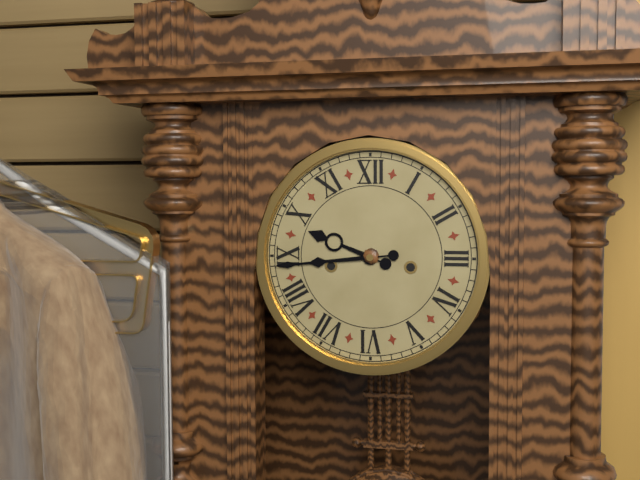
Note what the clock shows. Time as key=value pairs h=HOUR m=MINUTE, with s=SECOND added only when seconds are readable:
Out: h=9 m=44
